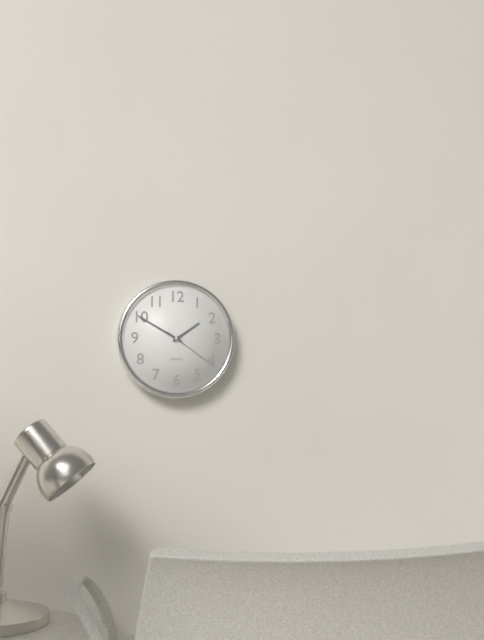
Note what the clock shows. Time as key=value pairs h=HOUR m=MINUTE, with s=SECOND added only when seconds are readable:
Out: h=1 m=50 s=21
